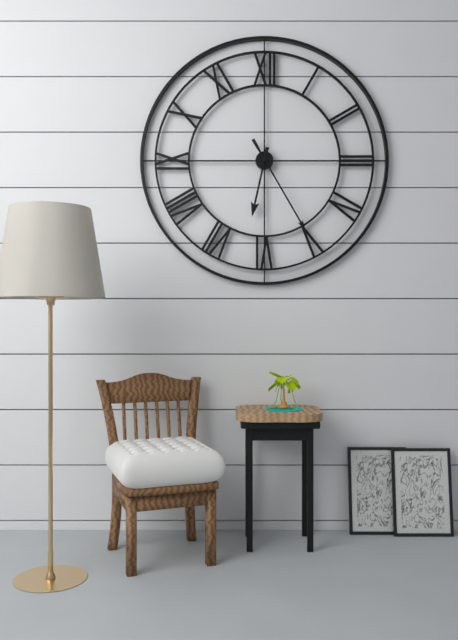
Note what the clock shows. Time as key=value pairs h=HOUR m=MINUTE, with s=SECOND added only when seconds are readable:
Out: h=6 m=25
